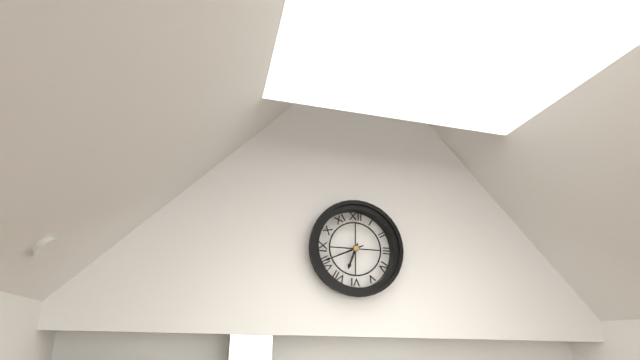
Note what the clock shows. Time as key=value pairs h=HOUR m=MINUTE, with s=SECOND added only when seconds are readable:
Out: h=6 m=41
